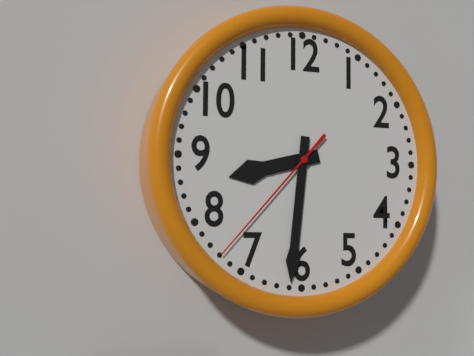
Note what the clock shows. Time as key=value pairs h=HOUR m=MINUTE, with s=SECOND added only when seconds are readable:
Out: h=8 m=31 s=37
